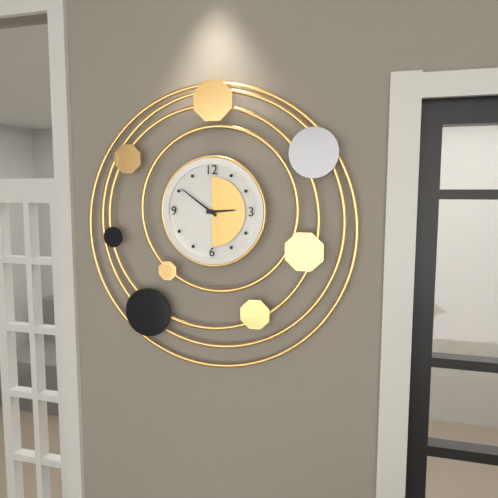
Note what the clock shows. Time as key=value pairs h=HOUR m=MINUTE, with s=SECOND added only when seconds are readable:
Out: h=2 m=51
